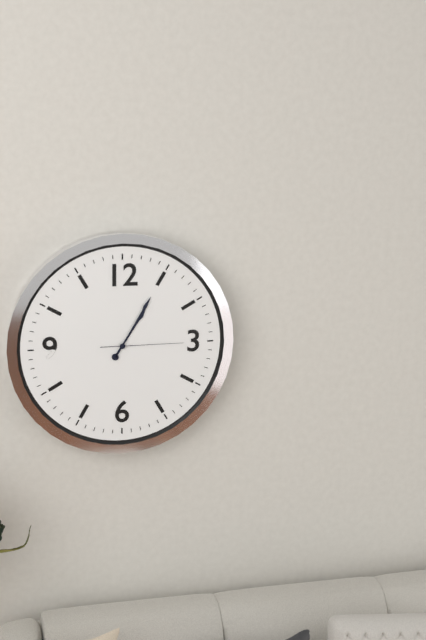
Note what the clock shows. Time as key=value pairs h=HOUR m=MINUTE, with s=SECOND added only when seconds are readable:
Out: h=1 m=5 s=15
